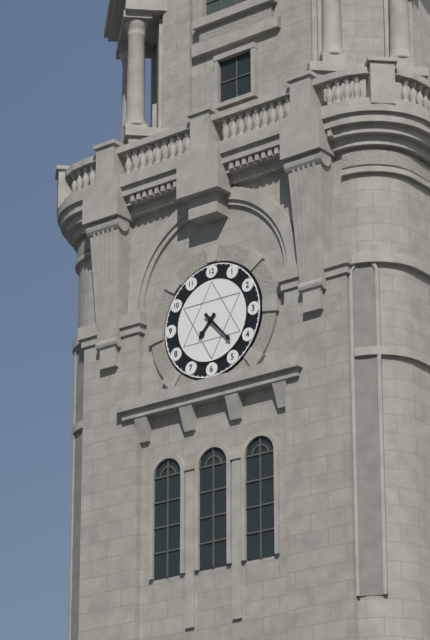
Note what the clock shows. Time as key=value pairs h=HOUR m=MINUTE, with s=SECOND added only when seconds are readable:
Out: h=7 m=23
